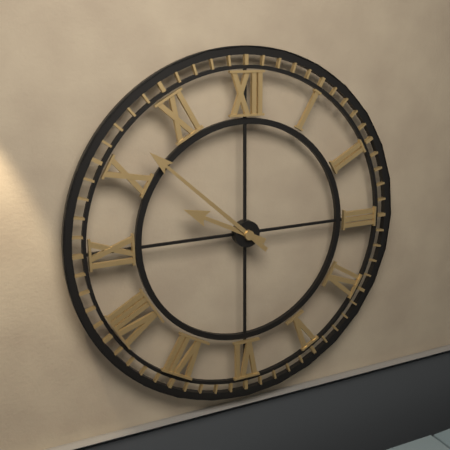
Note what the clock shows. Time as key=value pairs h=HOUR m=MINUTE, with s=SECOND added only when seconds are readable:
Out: h=9 m=52
